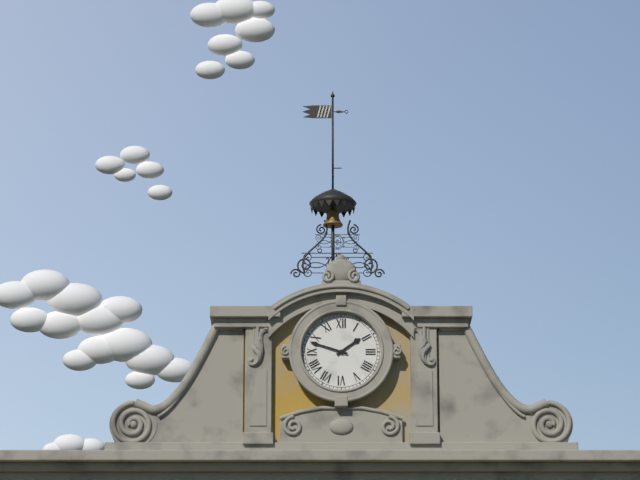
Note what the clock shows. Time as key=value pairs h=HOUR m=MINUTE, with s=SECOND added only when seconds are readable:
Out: h=1 m=48
